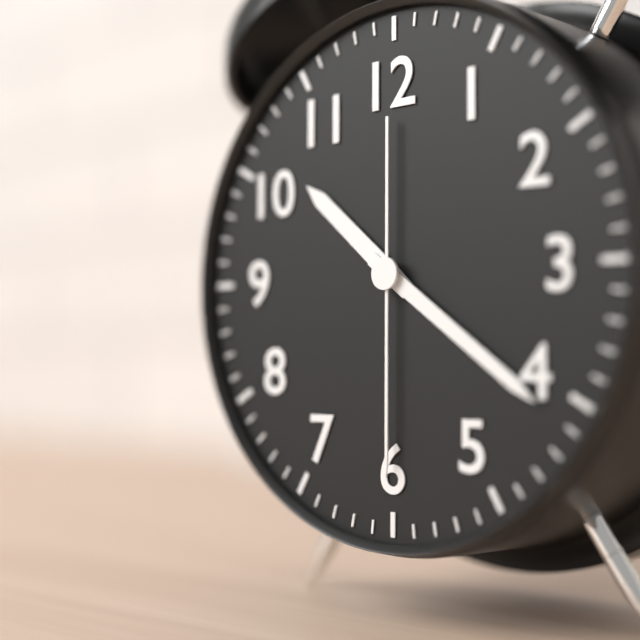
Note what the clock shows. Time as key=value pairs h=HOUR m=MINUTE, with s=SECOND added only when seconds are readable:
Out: h=10 m=21 s=30
